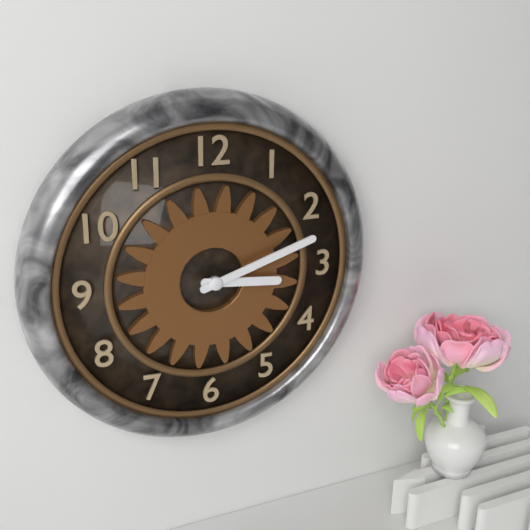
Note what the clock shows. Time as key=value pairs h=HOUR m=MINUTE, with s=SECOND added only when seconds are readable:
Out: h=3 m=12
